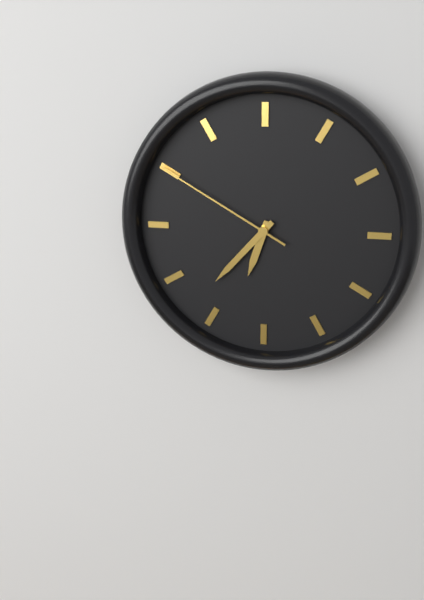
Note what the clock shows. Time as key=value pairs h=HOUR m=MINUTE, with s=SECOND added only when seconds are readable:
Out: h=6 m=37 s=50
